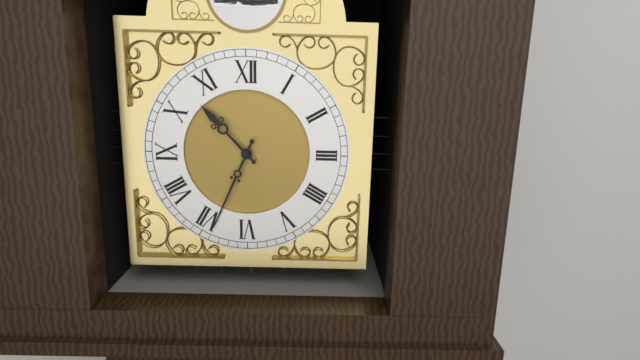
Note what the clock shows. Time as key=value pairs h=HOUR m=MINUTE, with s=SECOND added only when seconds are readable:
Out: h=10 m=34
